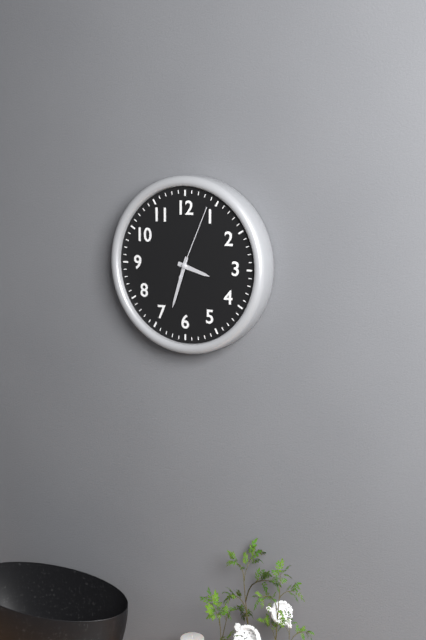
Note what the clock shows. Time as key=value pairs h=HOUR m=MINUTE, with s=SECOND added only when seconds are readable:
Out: h=3 m=33 s=4
